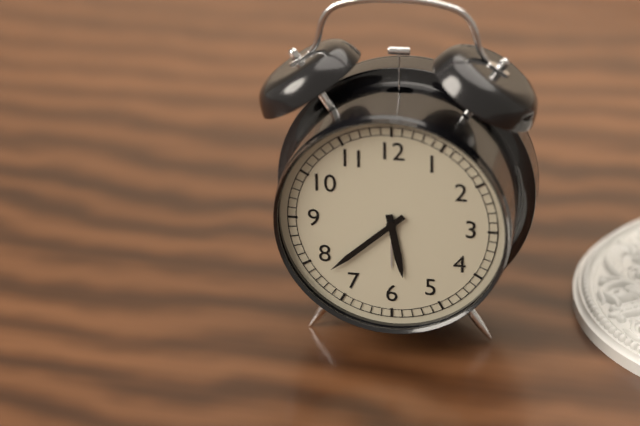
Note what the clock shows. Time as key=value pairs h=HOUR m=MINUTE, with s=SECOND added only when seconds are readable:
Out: h=5 m=38
